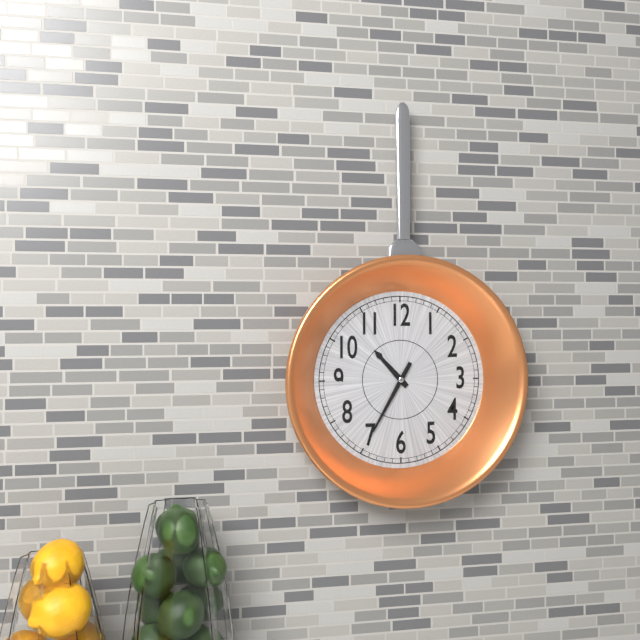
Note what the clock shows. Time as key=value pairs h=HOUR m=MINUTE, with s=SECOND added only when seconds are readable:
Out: h=10 m=35
